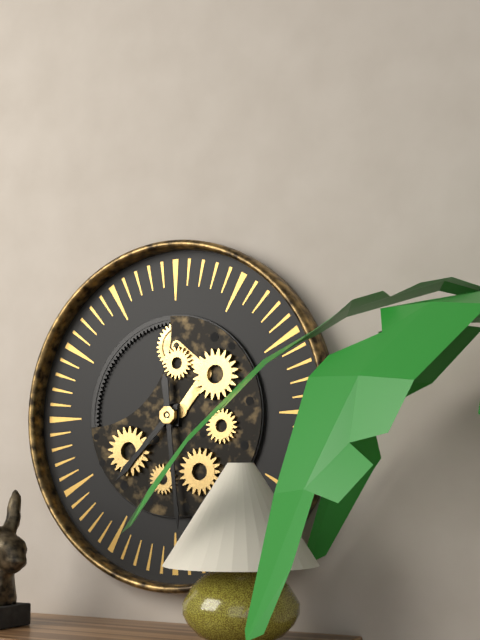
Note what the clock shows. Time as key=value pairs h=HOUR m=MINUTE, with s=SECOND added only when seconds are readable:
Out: h=7 m=29
